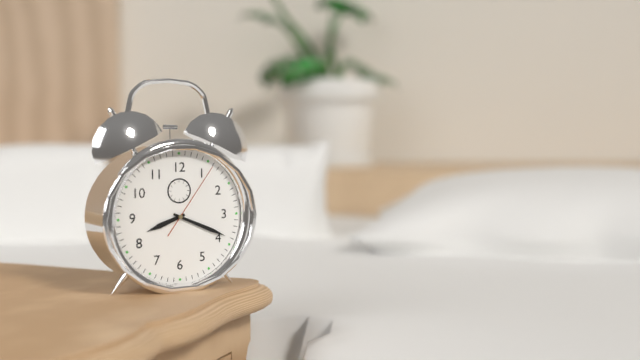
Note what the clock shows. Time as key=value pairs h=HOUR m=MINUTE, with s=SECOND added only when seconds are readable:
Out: h=8 m=19 s=6
